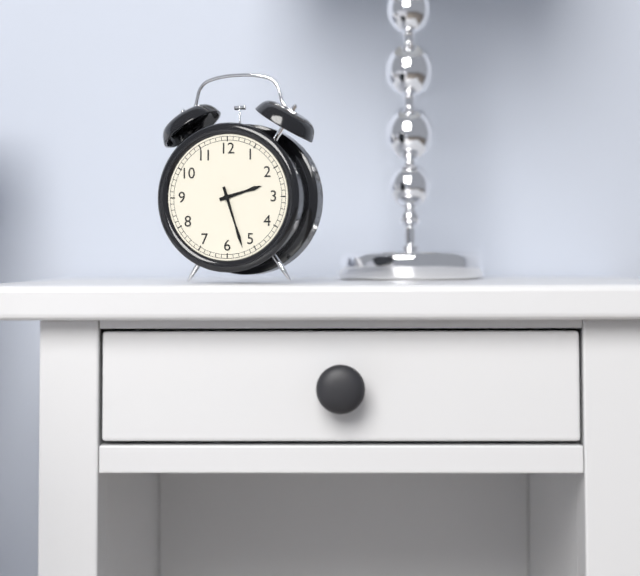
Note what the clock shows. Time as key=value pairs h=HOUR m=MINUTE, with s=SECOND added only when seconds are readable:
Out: h=2 m=27
